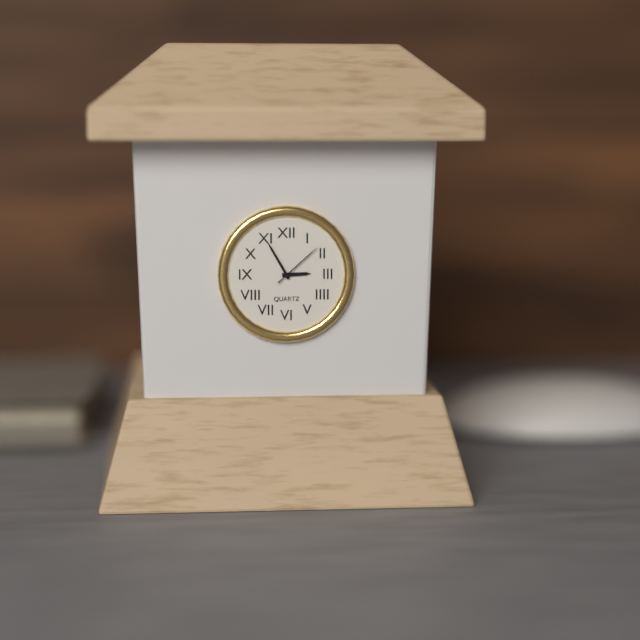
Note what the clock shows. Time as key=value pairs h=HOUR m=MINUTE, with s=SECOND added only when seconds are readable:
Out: h=2 m=55 s=8
